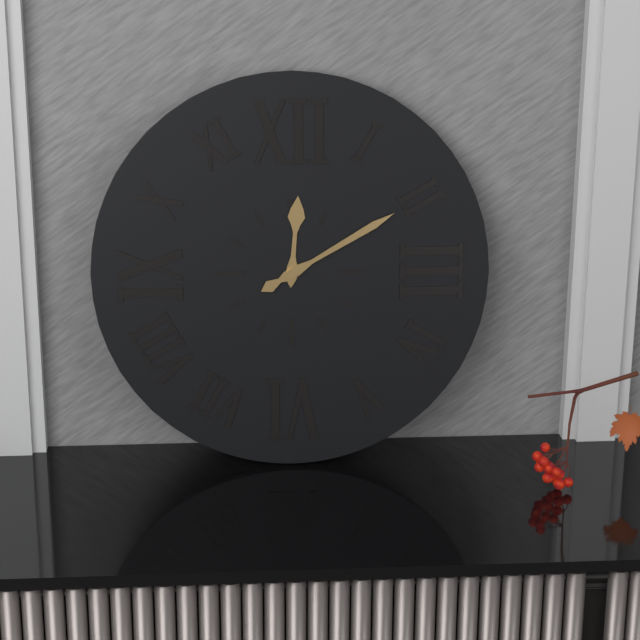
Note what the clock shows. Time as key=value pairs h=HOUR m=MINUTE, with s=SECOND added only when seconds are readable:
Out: h=12 m=10
